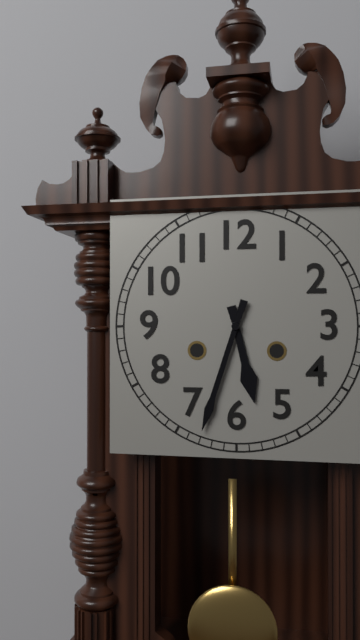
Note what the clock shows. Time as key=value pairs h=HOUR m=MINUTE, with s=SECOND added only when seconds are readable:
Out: h=5 m=33
